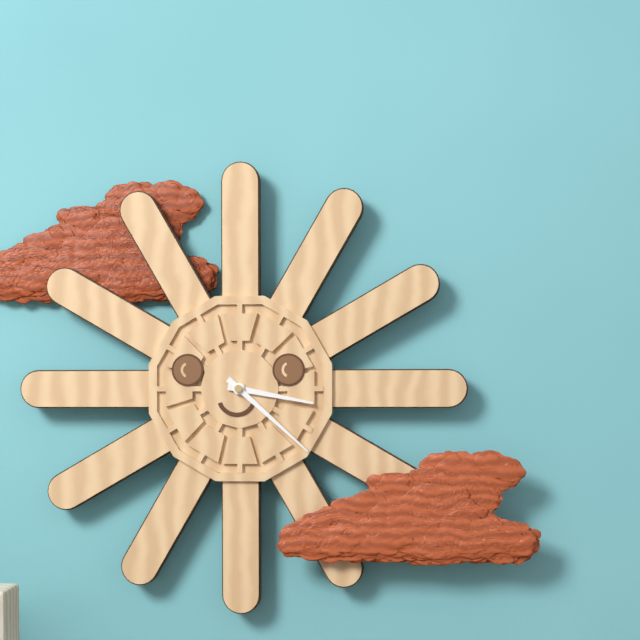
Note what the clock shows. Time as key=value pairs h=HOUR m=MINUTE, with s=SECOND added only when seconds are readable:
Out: h=3 m=22
